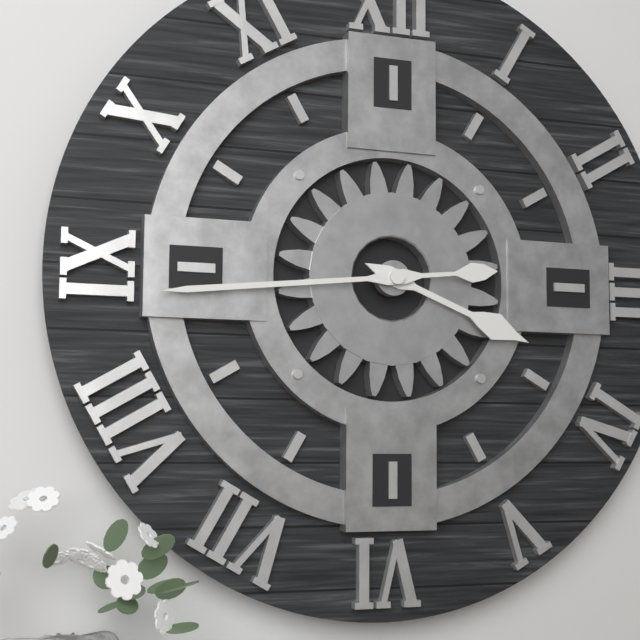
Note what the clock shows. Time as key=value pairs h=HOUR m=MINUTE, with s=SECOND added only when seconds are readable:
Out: h=3 m=44
